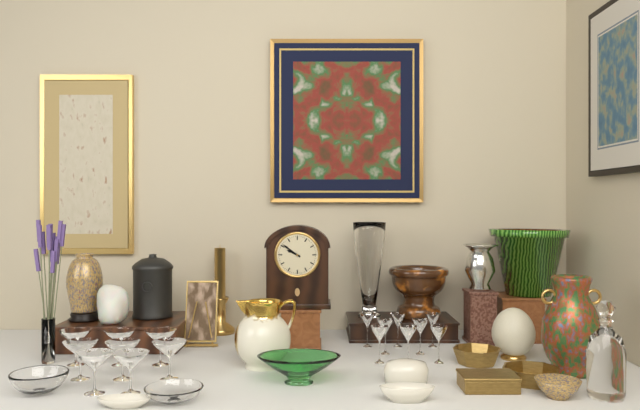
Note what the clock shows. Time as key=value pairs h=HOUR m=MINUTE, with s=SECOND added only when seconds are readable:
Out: h=9 m=51
